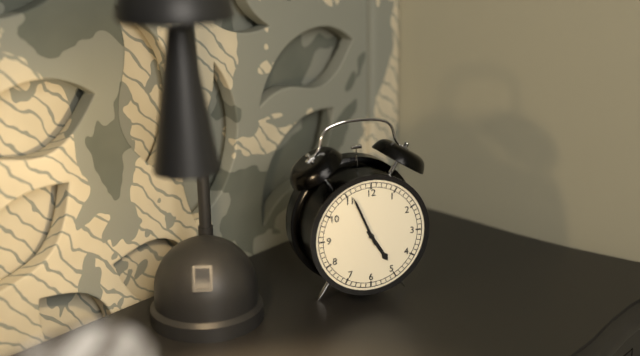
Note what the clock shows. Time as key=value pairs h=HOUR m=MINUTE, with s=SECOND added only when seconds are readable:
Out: h=4 m=56
